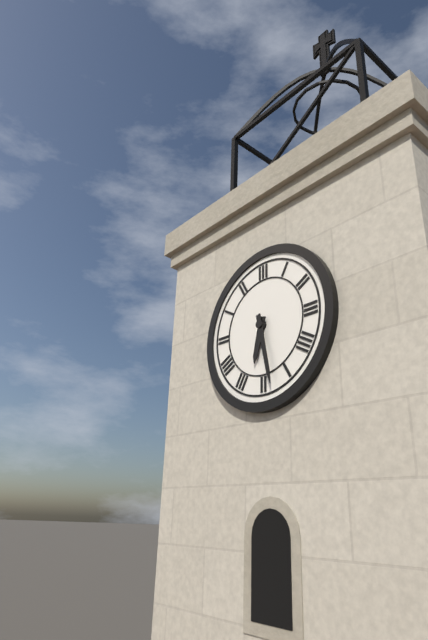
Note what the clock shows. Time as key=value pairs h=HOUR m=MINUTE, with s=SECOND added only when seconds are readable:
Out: h=6 m=28
